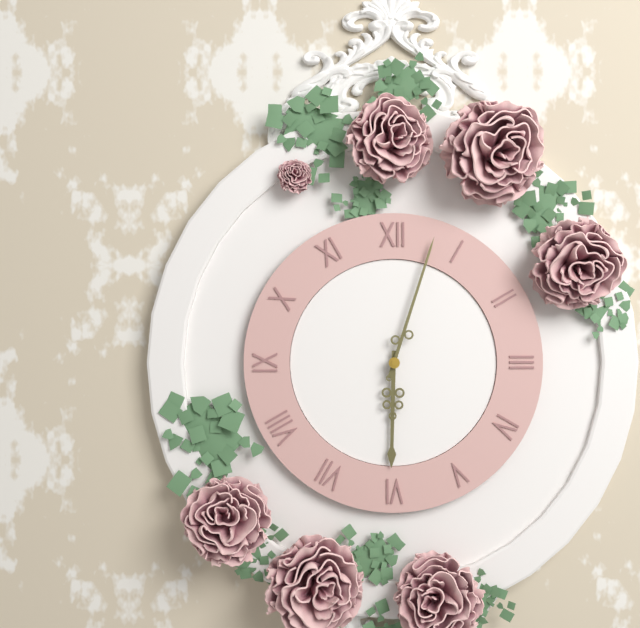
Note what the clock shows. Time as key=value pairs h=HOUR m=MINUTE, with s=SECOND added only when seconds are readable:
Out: h=6 m=3
